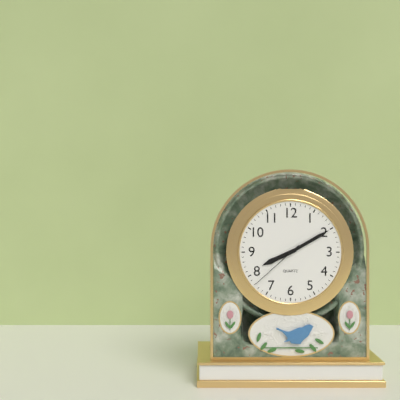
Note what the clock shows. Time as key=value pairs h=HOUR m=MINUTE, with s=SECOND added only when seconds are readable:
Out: h=8 m=10 s=38
